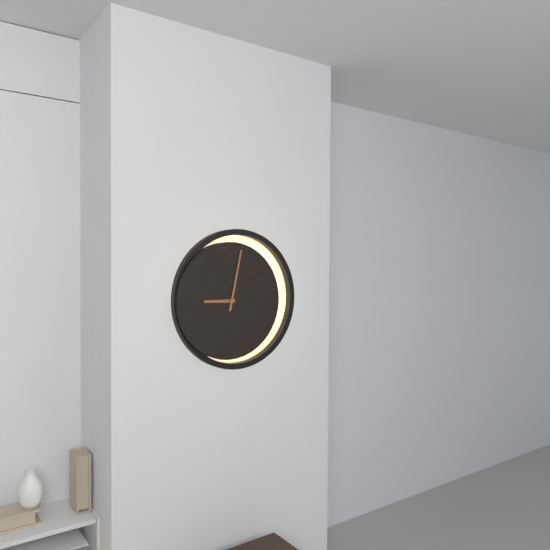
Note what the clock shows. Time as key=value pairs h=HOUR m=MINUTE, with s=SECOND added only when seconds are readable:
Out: h=9 m=2
